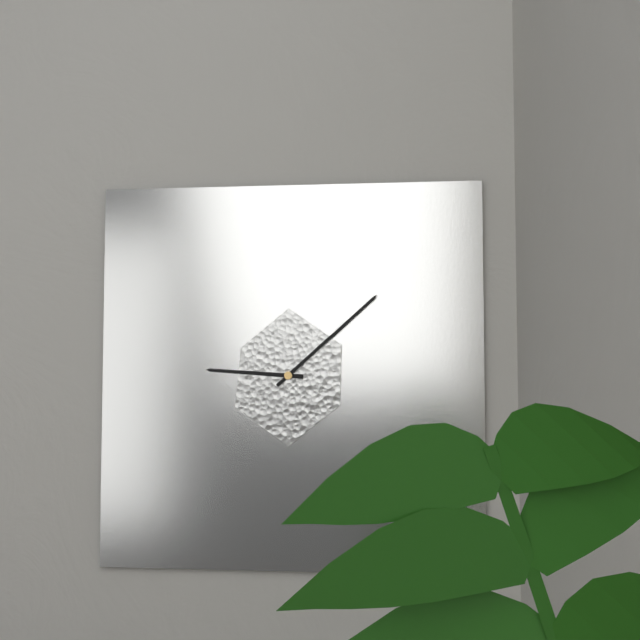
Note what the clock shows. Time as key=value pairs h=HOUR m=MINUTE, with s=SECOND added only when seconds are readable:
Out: h=9 m=8
